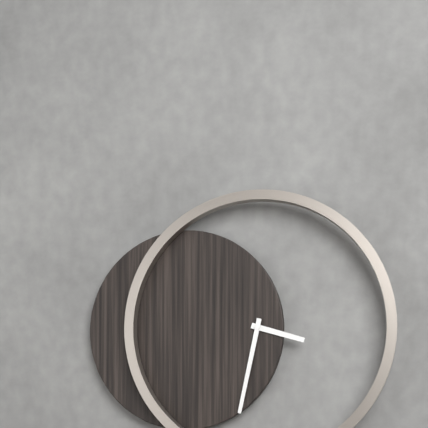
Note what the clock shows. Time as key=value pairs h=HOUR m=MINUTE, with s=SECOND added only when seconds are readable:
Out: h=3 m=32
